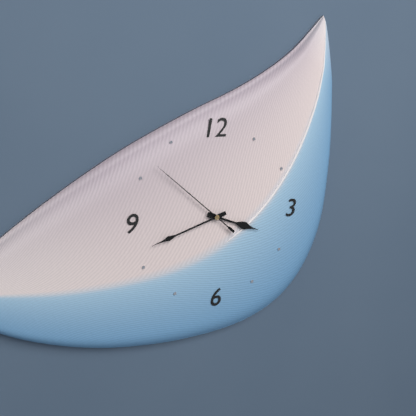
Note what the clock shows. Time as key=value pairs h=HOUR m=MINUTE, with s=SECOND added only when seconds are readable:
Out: h=3 m=42 s=52
